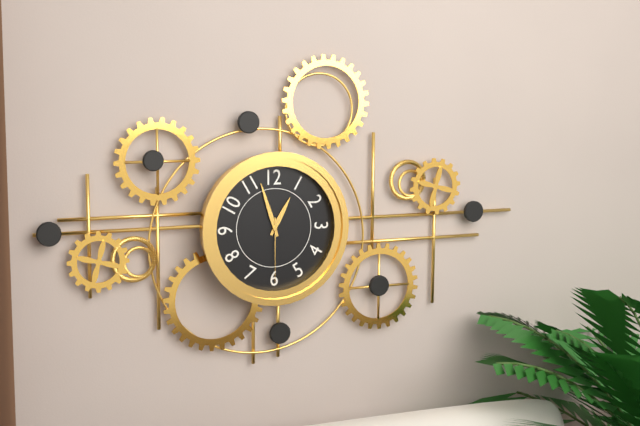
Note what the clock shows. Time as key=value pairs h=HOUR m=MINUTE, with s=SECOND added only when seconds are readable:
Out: h=12 m=57 s=30
